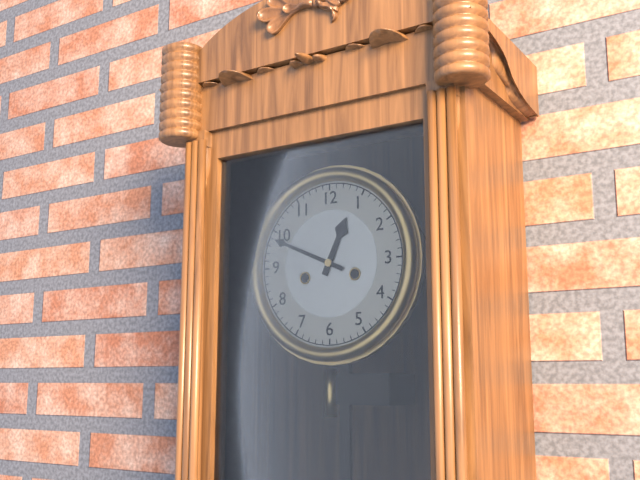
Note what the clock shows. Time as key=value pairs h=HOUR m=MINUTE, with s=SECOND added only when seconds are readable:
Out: h=12 m=49
